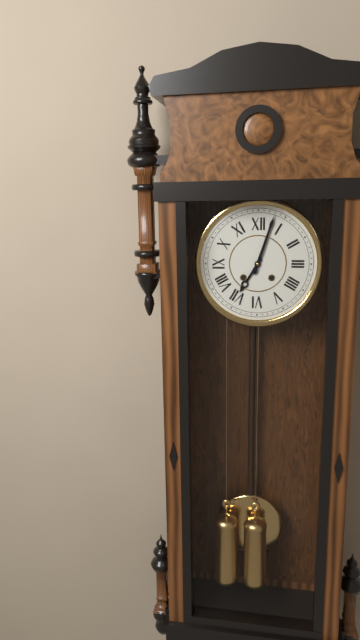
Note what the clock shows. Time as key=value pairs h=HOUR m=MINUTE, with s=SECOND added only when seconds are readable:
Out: h=7 m=3
